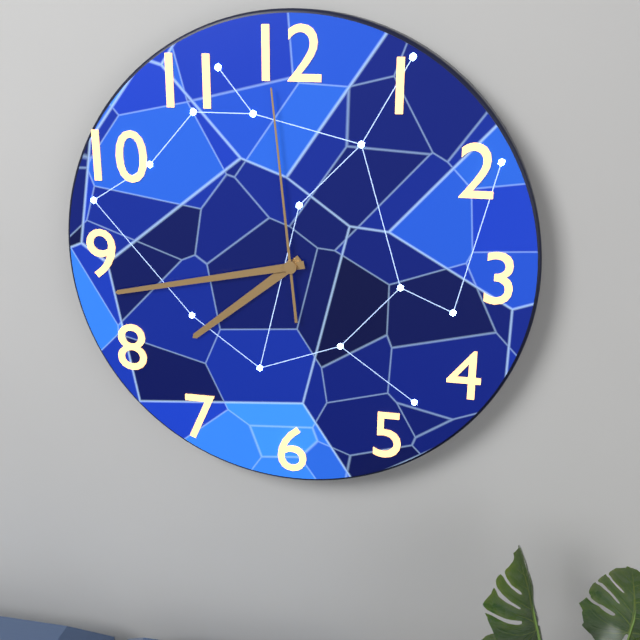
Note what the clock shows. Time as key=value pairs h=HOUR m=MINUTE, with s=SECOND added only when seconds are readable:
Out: h=7 m=43 s=59
